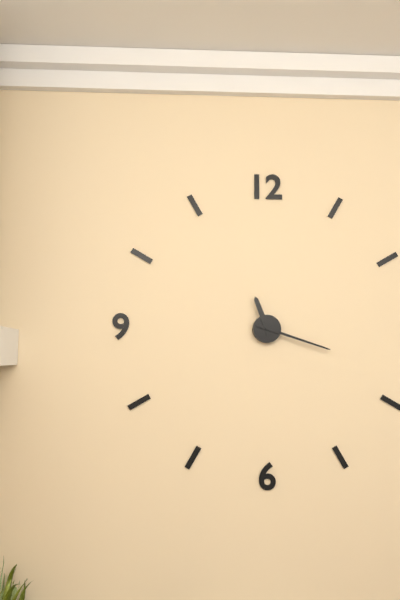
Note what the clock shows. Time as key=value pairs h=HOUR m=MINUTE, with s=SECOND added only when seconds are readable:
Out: h=11 m=18
